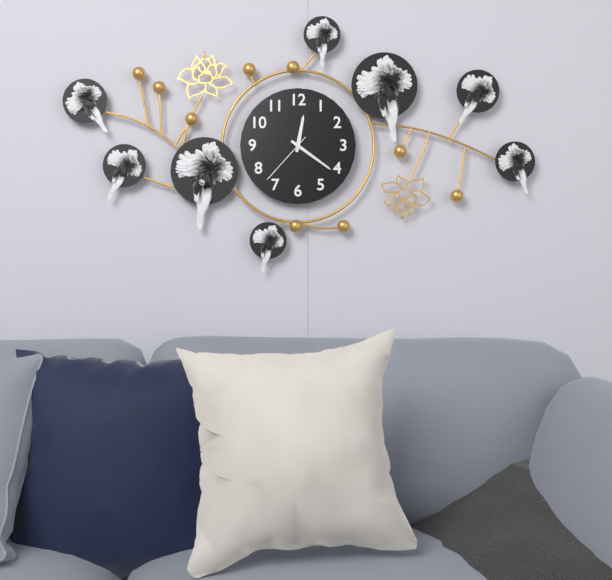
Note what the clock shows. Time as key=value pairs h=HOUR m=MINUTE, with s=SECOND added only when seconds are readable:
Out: h=12 m=21 s=37
